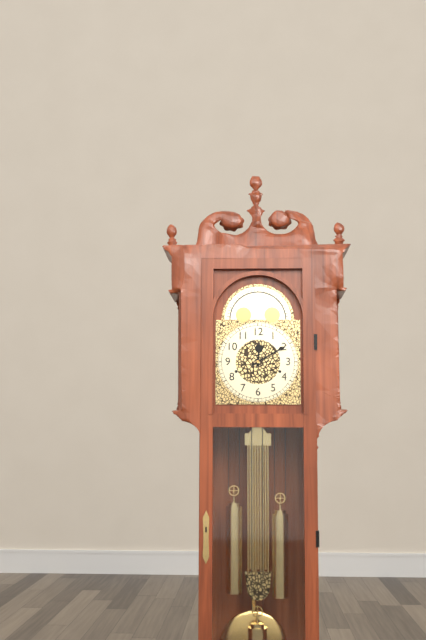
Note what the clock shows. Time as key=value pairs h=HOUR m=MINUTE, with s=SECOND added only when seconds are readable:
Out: h=12 m=10
